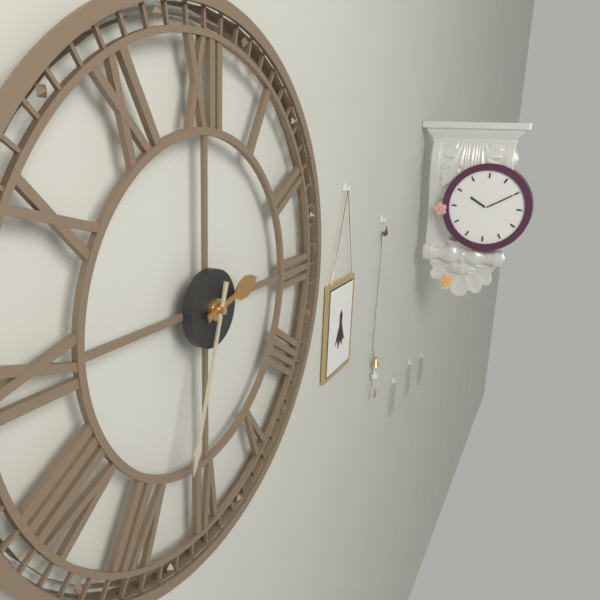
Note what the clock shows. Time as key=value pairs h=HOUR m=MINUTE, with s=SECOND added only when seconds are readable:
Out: h=2 m=33
